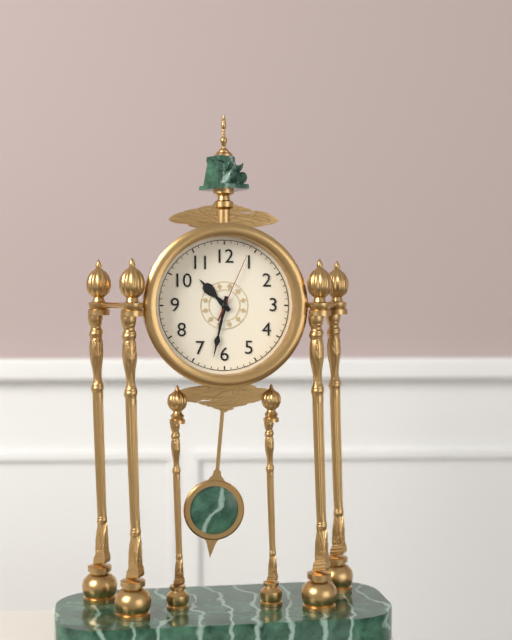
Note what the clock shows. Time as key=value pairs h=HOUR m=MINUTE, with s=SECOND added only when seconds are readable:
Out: h=10 m=32 s=4
